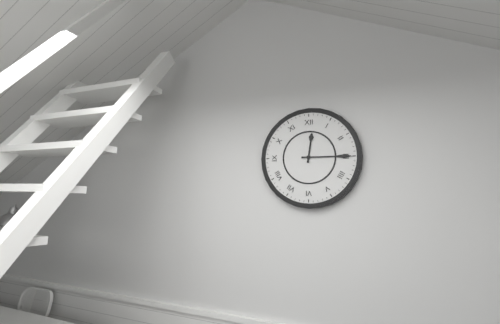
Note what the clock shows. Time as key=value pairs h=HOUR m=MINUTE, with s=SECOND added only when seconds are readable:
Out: h=12 m=15
